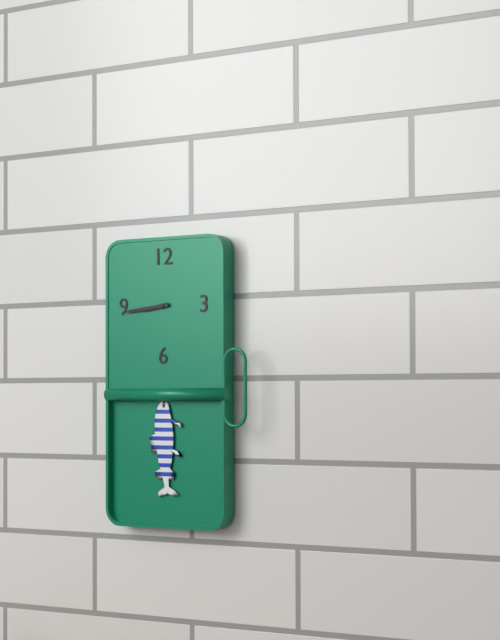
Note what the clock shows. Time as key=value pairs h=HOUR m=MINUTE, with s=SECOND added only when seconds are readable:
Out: h=8 m=44
